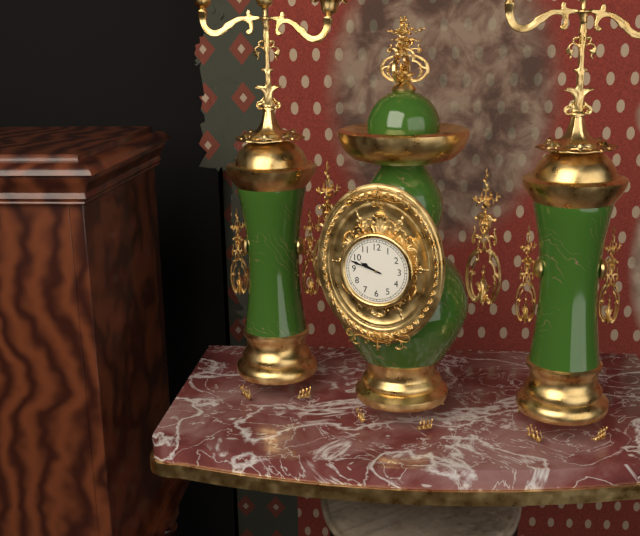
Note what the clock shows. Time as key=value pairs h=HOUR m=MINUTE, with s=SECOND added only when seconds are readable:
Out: h=9 m=48
